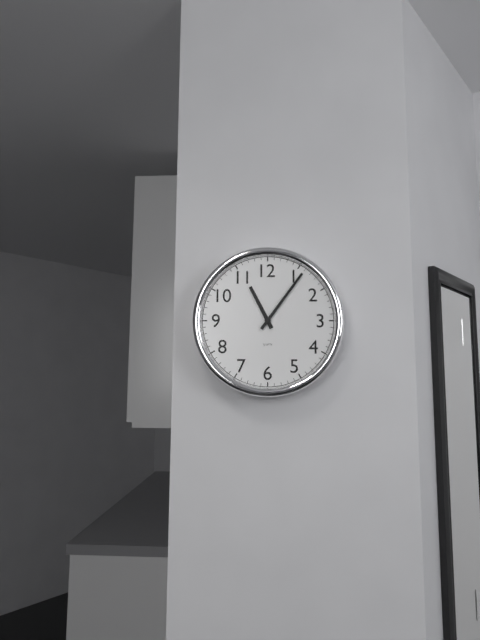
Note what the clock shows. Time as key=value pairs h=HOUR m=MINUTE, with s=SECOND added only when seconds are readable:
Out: h=11 m=6
